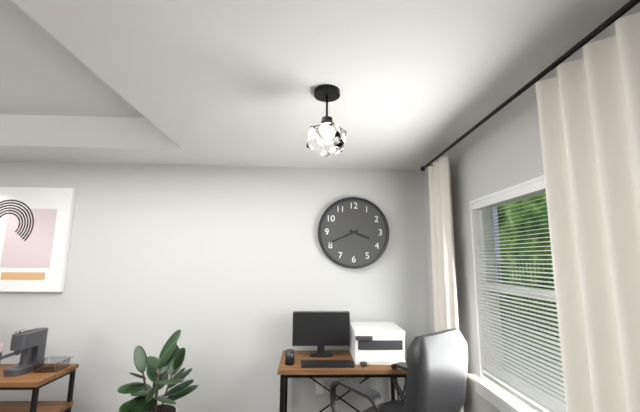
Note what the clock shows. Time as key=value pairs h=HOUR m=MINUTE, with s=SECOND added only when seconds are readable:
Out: h=3 m=41
